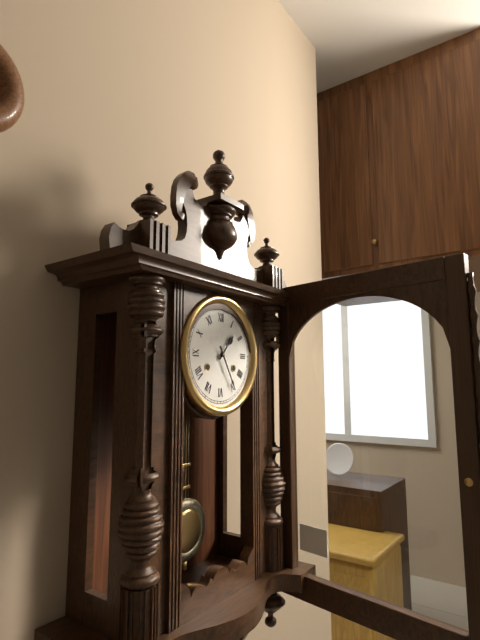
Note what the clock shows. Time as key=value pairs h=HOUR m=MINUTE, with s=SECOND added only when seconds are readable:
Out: h=1 m=25
